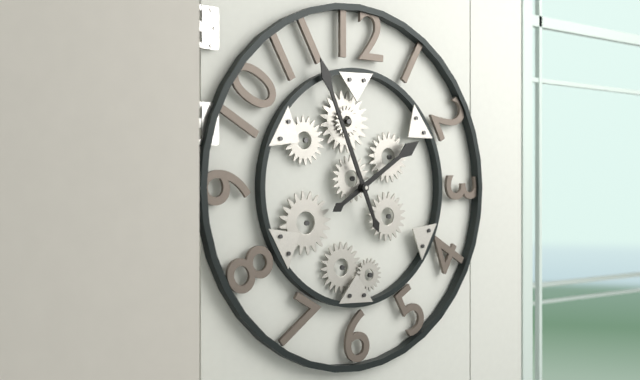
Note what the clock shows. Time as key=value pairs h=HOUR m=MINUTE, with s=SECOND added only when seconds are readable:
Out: h=1 m=56
